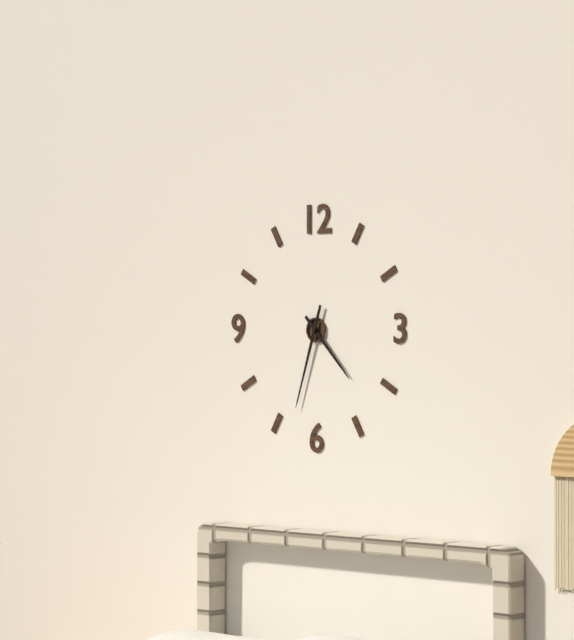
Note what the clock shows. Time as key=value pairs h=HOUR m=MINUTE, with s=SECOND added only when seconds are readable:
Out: h=4 m=33
